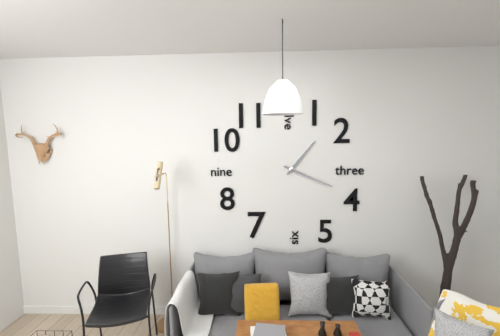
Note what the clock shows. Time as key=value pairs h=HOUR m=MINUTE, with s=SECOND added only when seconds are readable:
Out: h=1 m=19
